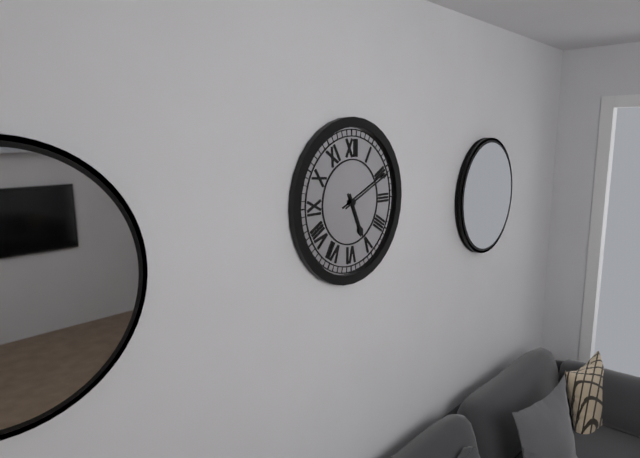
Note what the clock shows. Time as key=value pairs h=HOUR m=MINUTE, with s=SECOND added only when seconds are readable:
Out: h=5 m=11
